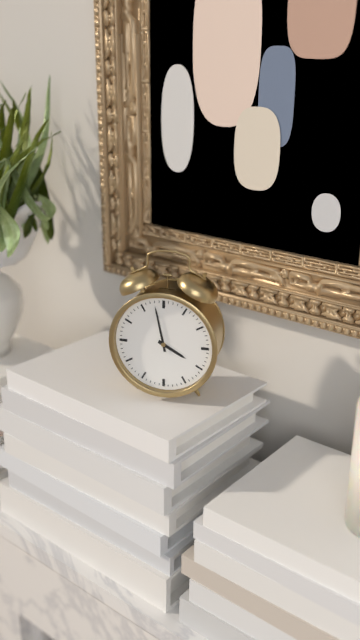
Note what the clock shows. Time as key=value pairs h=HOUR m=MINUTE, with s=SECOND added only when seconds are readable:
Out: h=3 m=58
